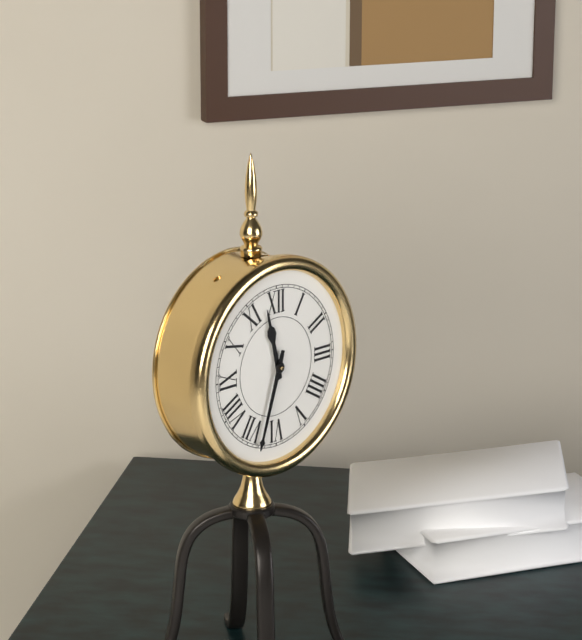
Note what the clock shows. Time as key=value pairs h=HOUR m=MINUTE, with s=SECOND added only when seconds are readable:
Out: h=11 m=33
